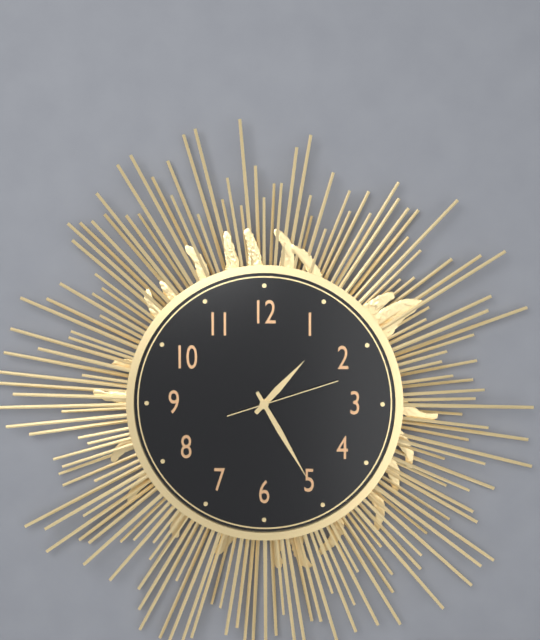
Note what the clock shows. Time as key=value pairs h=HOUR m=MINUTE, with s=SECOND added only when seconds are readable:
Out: h=1 m=25 s=12
